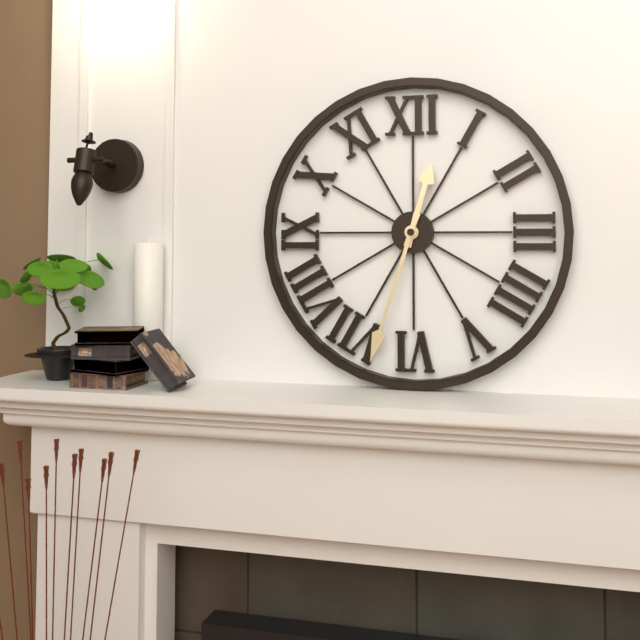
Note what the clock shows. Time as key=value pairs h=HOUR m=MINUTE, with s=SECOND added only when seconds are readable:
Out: h=12 m=33
